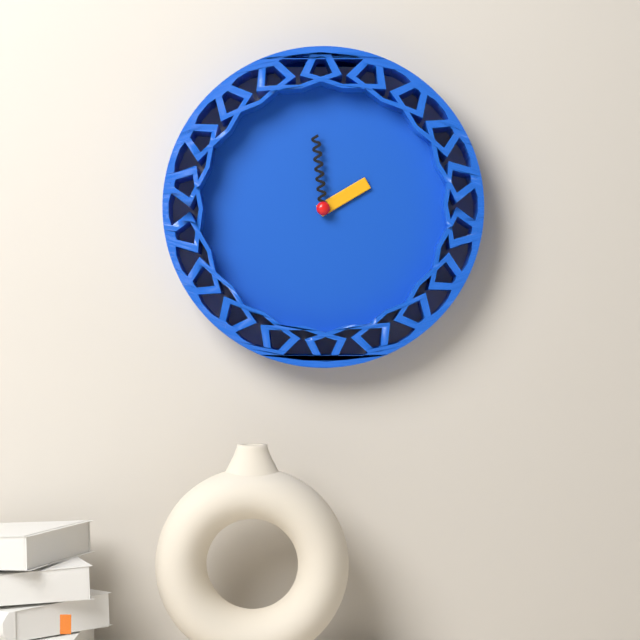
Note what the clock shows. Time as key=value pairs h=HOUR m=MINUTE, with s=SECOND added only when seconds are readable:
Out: h=1 m=59
